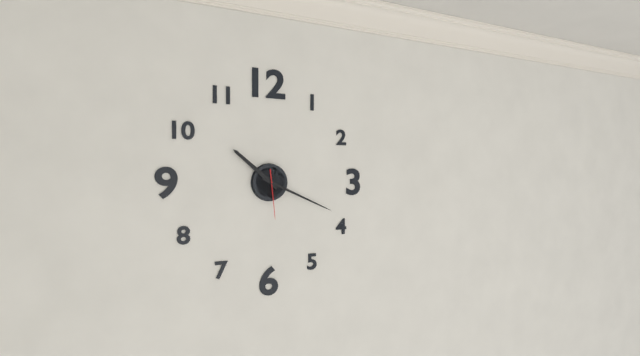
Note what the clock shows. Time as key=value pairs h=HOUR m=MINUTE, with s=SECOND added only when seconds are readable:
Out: h=10 m=19
